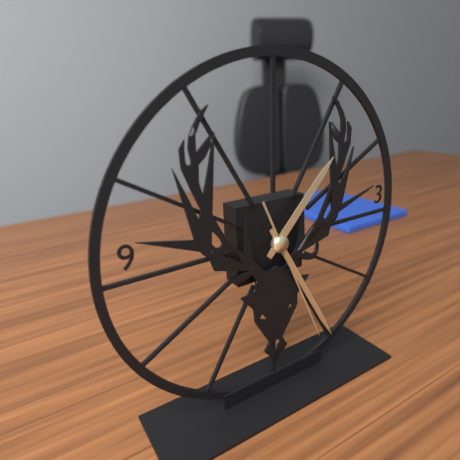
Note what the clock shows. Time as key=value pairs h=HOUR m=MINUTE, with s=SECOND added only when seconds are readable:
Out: h=1 m=25 s=26
